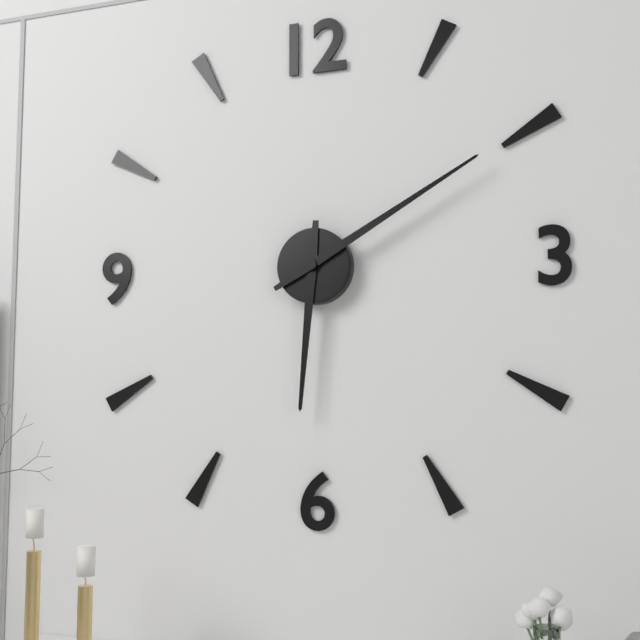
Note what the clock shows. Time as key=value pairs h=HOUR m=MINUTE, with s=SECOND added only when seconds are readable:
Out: h=6 m=10
